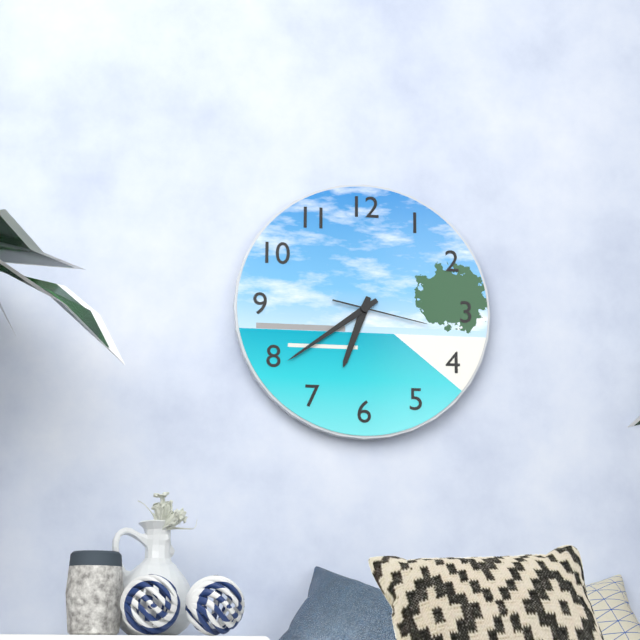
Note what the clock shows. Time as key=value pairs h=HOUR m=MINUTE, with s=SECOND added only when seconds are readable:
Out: h=6 m=39 s=17
